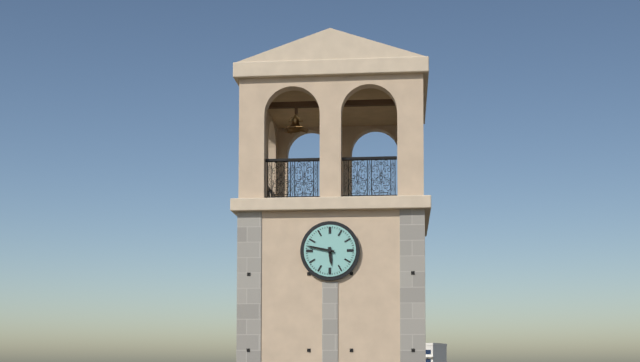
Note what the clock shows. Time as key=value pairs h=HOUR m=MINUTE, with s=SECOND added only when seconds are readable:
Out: h=5 m=47
